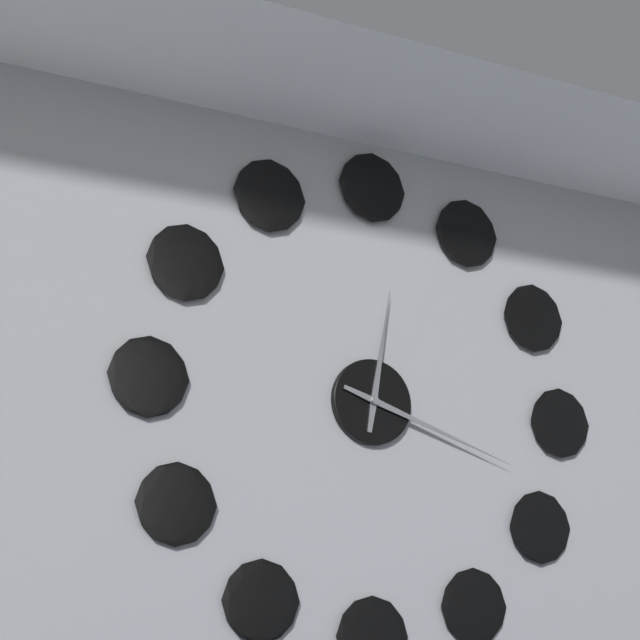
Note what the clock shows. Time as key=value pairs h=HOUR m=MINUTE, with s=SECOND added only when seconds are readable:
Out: h=12 m=18
